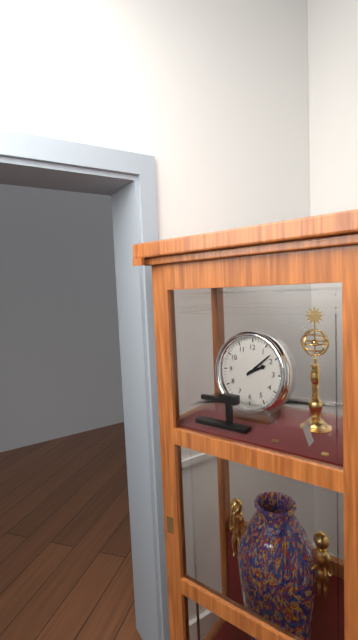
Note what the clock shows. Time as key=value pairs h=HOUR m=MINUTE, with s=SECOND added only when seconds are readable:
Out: h=2 m=8
